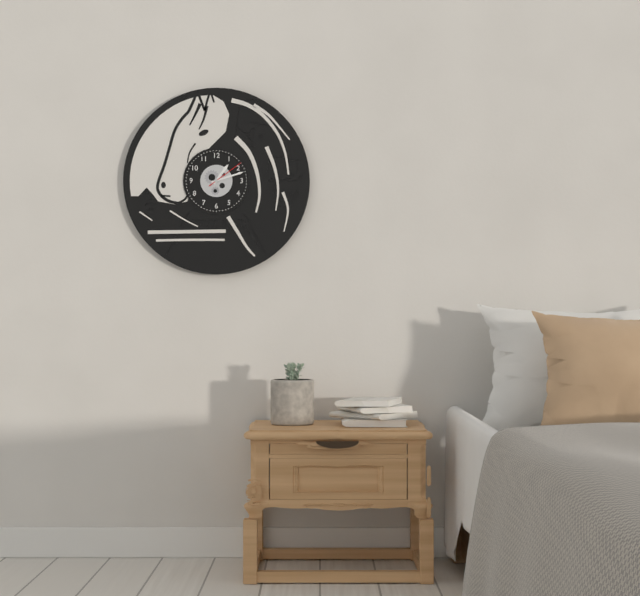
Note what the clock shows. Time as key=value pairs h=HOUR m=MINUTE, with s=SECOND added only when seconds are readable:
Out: h=1 m=12
